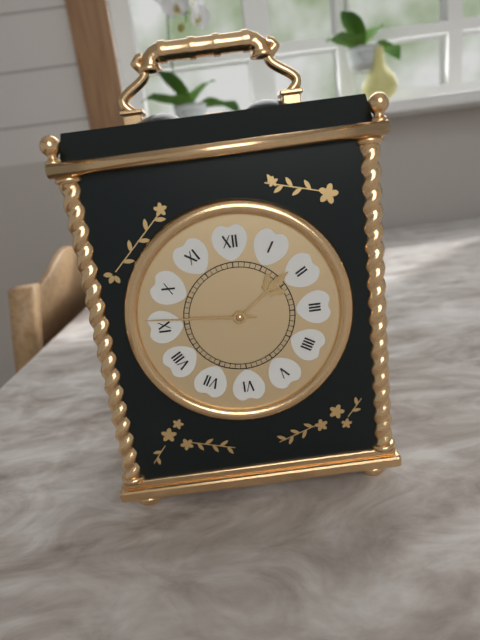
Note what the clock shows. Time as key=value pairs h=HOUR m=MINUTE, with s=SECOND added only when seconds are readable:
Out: h=1 m=46
